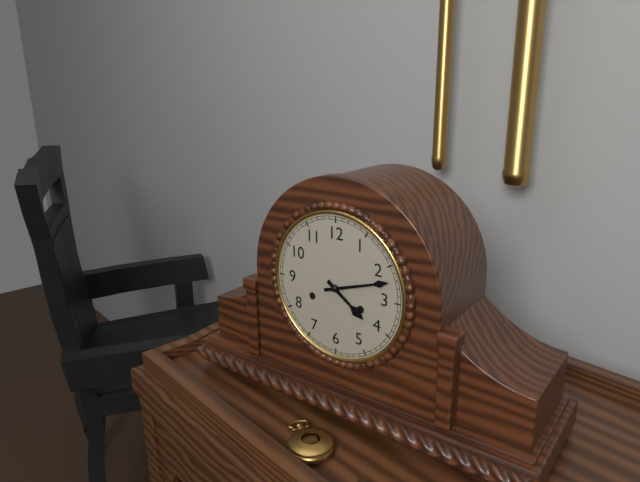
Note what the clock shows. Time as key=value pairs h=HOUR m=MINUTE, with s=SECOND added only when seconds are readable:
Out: h=4 m=12
